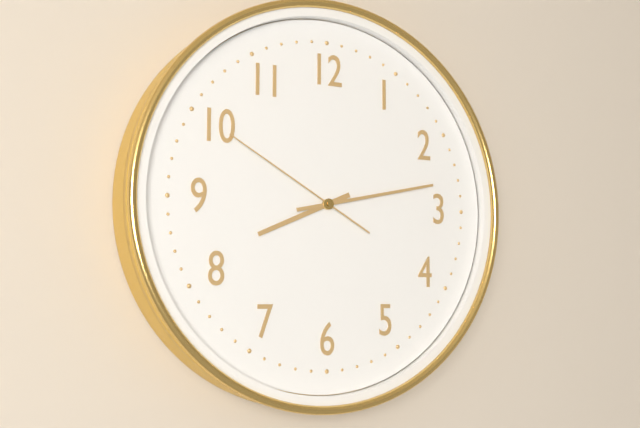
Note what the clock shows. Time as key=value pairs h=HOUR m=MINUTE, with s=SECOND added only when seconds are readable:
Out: h=8 m=13 s=50
